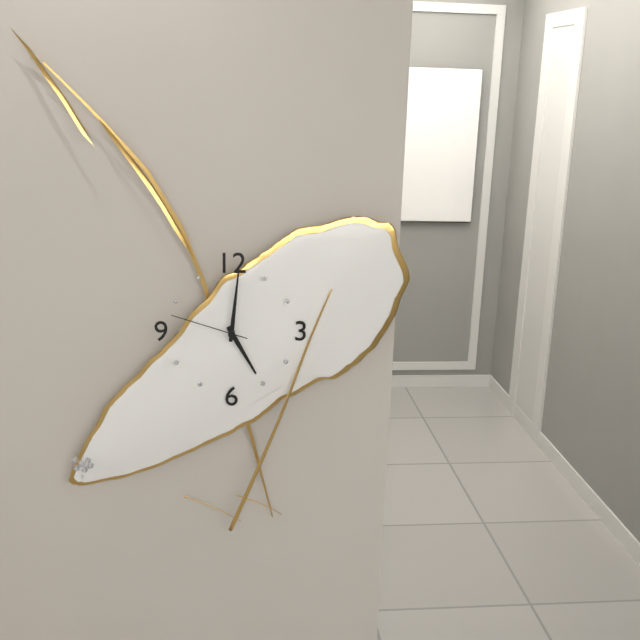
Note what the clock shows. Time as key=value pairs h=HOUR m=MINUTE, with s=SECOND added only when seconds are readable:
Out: h=5 m=1 s=48
